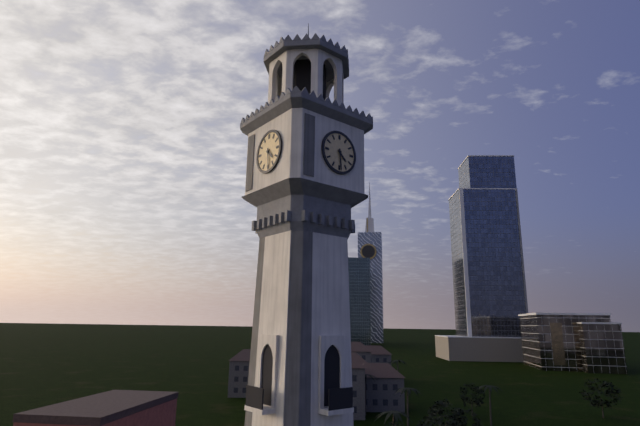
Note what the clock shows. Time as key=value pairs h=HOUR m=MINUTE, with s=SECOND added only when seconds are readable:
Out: h=4 m=29
